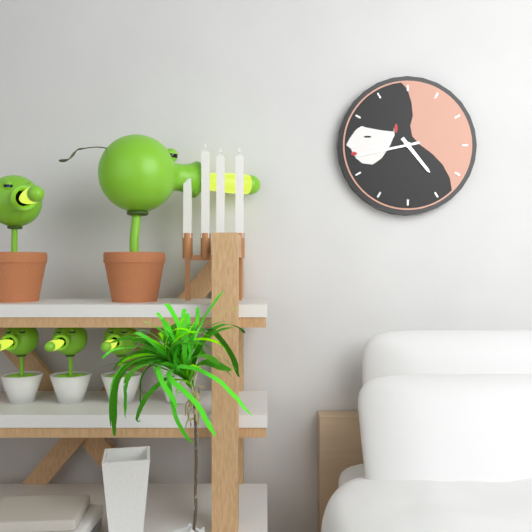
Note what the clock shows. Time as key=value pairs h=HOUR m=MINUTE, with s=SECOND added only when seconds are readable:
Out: h=4 m=43
